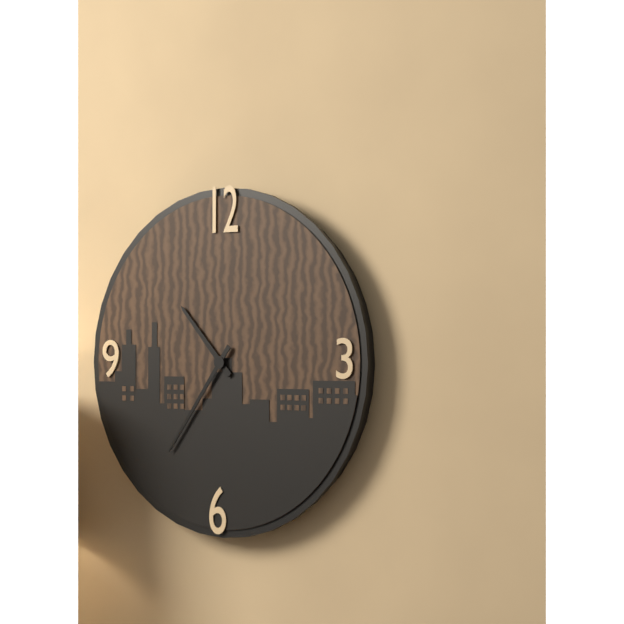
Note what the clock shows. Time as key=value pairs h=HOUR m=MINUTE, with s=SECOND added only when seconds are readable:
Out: h=10 m=36
